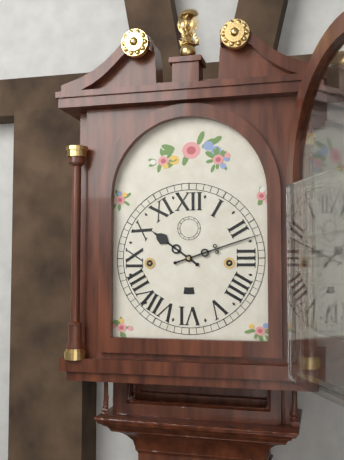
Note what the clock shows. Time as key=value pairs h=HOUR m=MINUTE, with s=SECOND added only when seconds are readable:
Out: h=10 m=12
